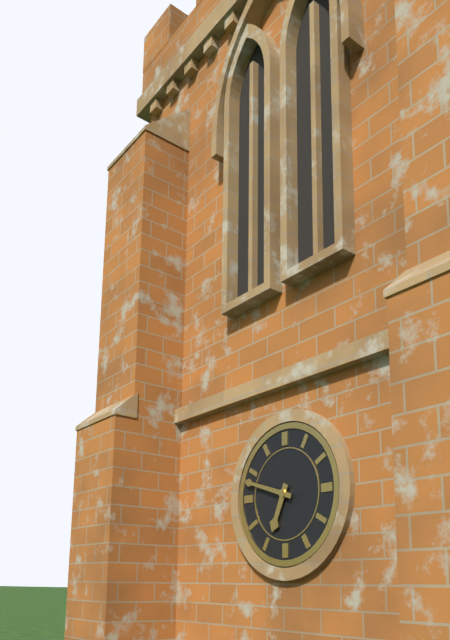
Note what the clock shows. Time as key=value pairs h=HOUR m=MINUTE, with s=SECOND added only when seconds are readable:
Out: h=6 m=48
